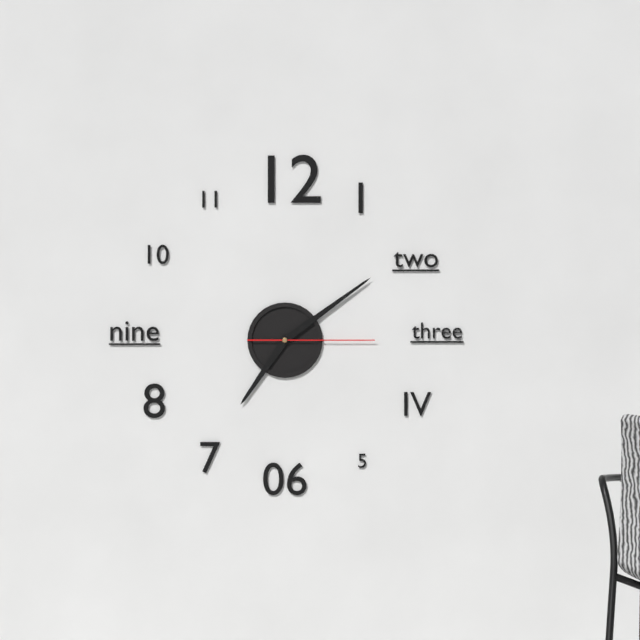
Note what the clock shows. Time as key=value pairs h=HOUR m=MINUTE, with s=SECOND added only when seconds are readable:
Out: h=7 m=9 s=15
